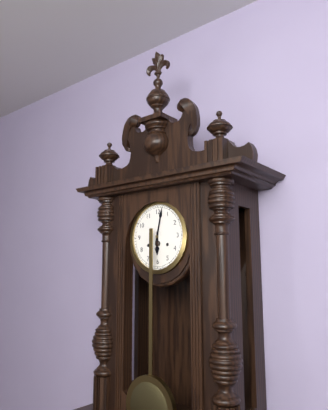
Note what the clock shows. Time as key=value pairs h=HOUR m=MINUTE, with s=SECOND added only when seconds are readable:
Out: h=6 m=2
